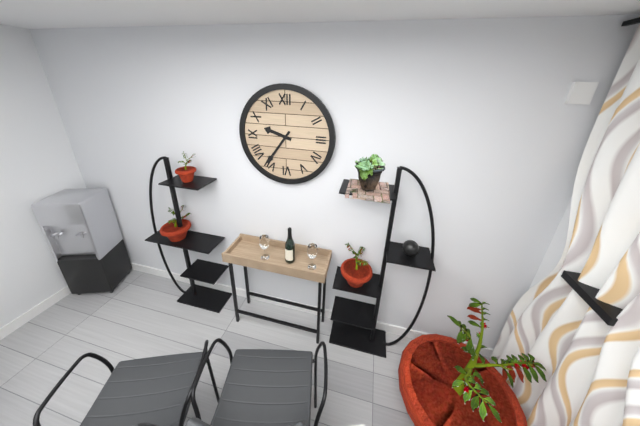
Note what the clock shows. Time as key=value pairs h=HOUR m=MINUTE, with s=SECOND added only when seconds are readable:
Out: h=9 m=36
